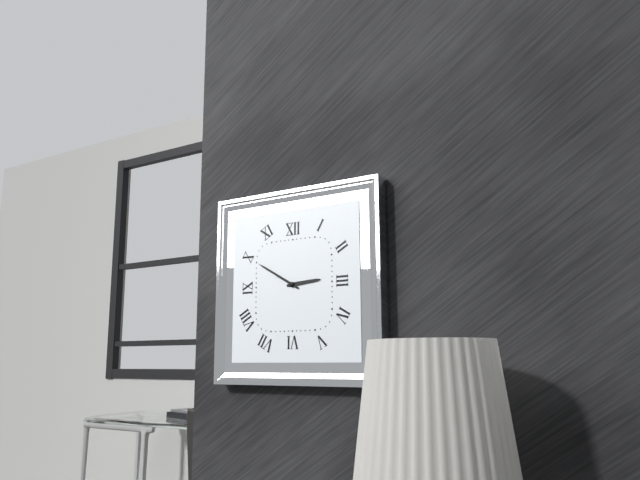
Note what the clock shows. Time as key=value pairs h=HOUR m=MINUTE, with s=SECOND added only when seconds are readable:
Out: h=2 m=50
